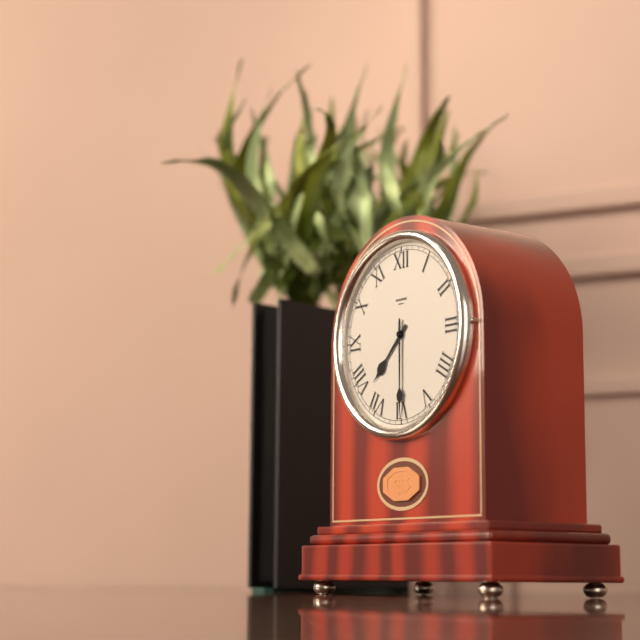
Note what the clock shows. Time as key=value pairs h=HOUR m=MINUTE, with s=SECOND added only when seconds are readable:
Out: h=7 m=30
